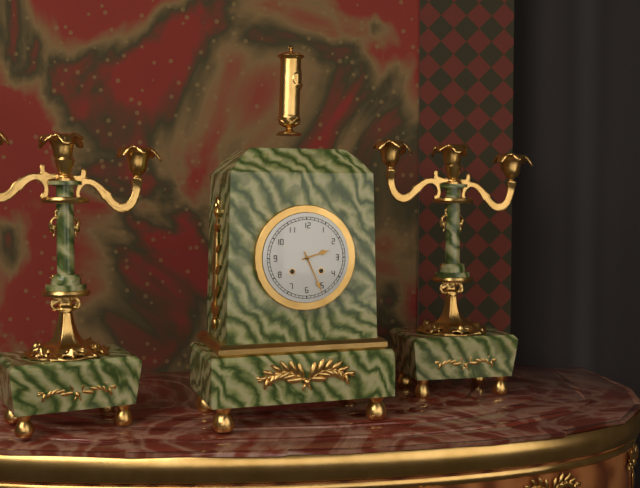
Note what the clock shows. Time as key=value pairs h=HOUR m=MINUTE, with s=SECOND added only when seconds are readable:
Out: h=2 m=26
